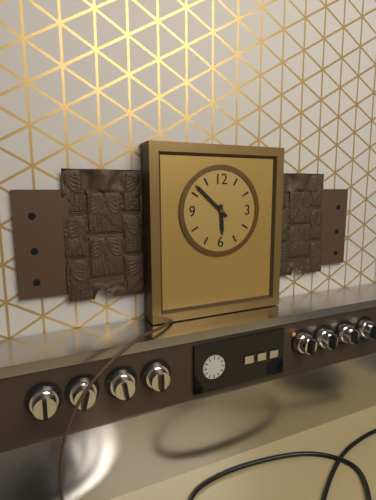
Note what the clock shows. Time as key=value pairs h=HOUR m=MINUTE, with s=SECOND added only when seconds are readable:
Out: h=5 m=52
